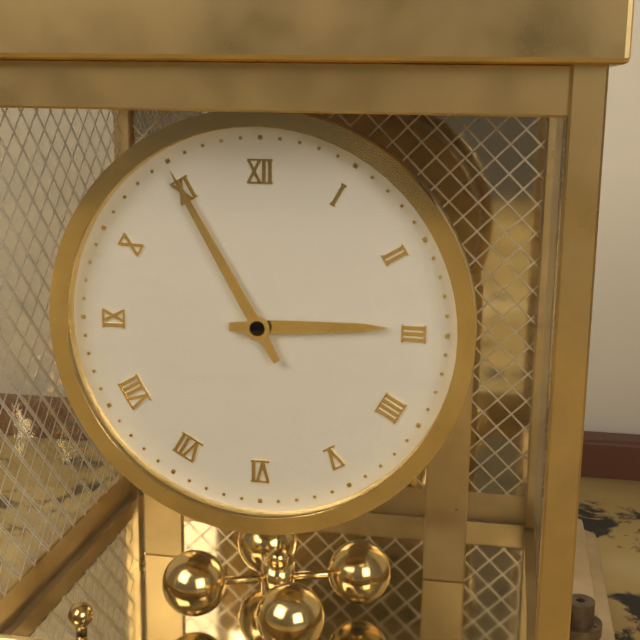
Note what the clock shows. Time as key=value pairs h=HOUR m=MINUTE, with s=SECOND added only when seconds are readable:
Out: h=2 m=55
